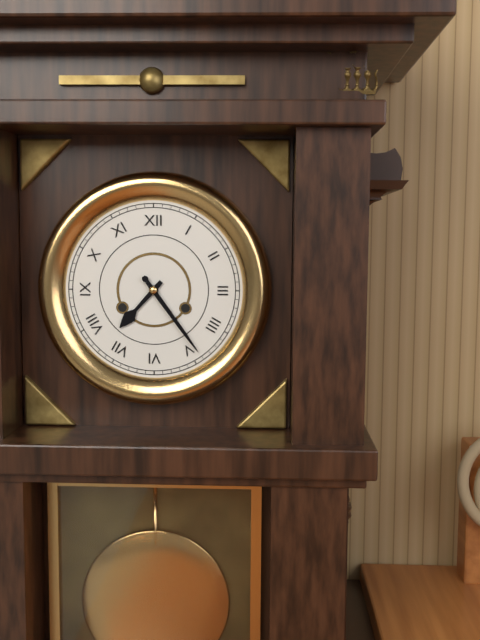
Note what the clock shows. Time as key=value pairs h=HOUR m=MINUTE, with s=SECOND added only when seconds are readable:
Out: h=7 m=24
